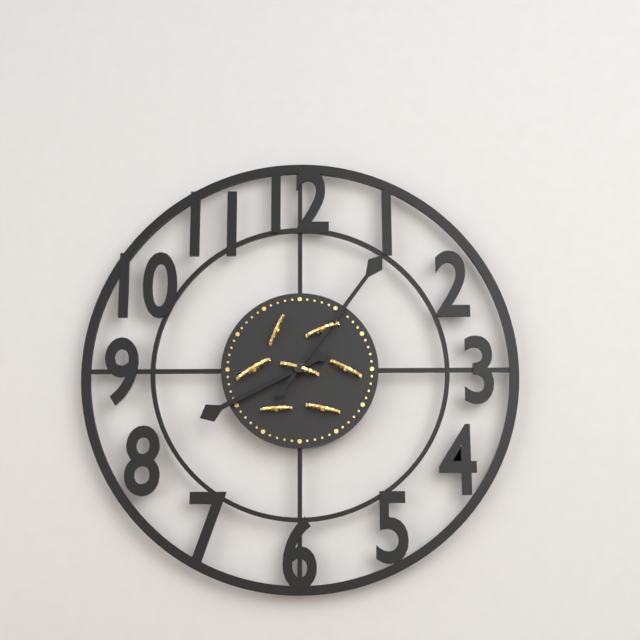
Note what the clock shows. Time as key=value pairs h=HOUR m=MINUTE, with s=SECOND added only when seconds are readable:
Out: h=8 m=6
